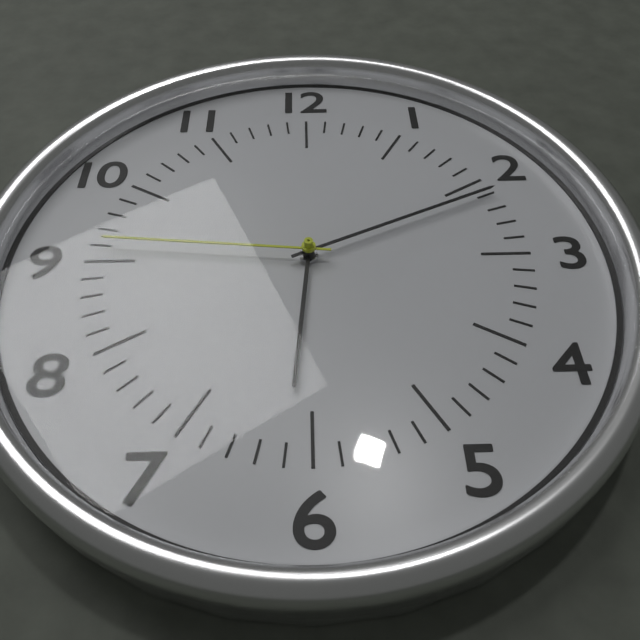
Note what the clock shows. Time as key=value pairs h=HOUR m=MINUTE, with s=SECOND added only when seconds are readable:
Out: h=6 m=11 s=46
